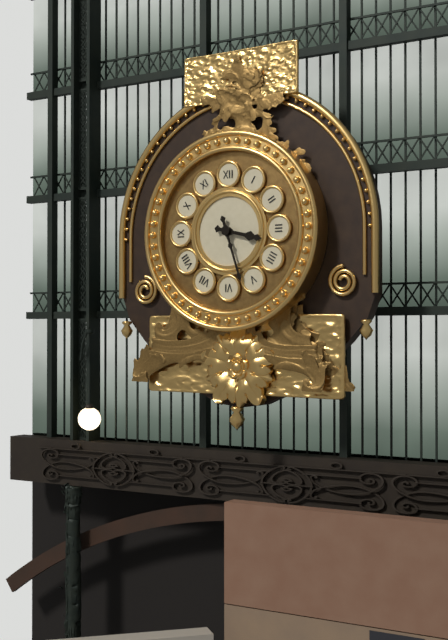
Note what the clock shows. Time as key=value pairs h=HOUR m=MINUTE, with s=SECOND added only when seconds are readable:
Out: h=3 m=27
